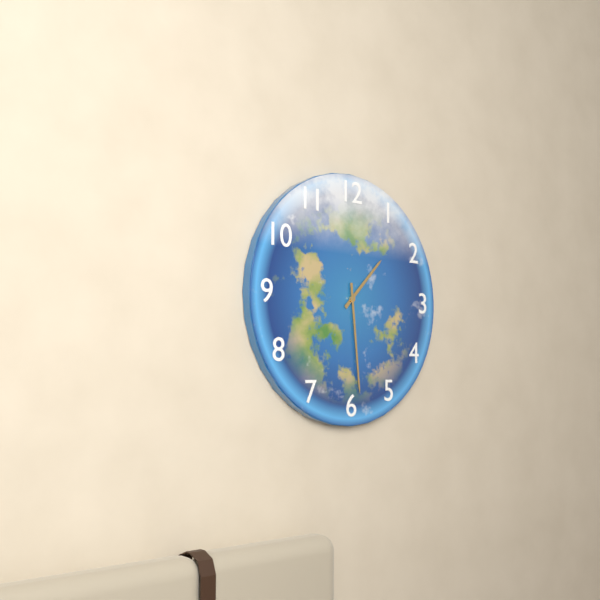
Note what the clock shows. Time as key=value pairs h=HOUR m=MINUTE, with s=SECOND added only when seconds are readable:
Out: h=1 m=29
